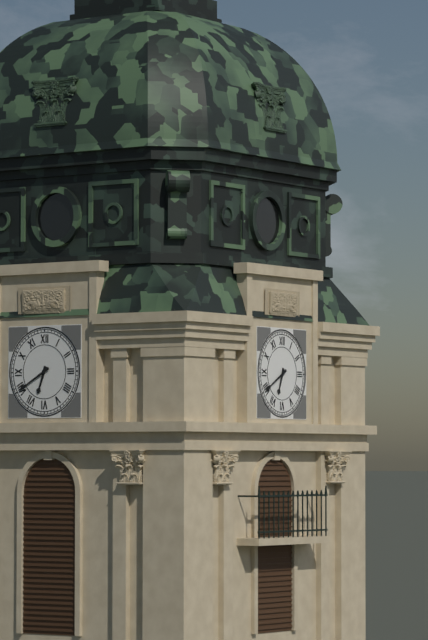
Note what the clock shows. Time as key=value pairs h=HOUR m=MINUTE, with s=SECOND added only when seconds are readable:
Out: h=6 m=40
